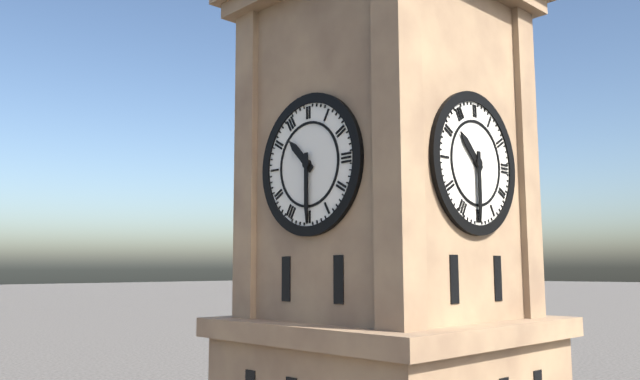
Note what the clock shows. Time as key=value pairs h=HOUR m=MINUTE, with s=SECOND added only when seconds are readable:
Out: h=10 m=30
